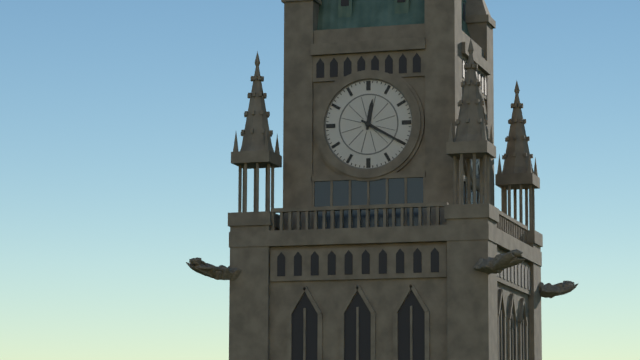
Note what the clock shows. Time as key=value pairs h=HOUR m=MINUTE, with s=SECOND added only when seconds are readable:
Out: h=12 m=20
